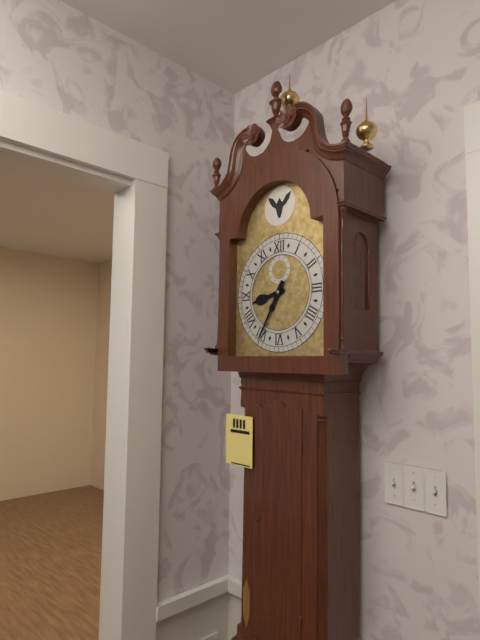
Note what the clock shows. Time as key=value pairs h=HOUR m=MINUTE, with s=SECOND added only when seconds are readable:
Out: h=8 m=35
